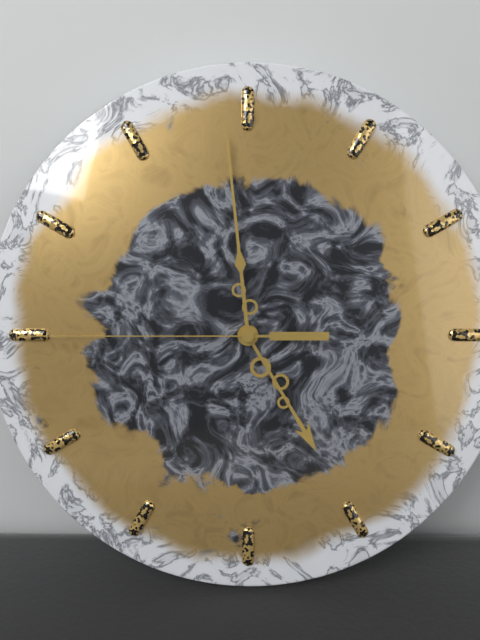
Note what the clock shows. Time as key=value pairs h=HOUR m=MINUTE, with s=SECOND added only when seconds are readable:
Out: h=4 m=59 s=45
